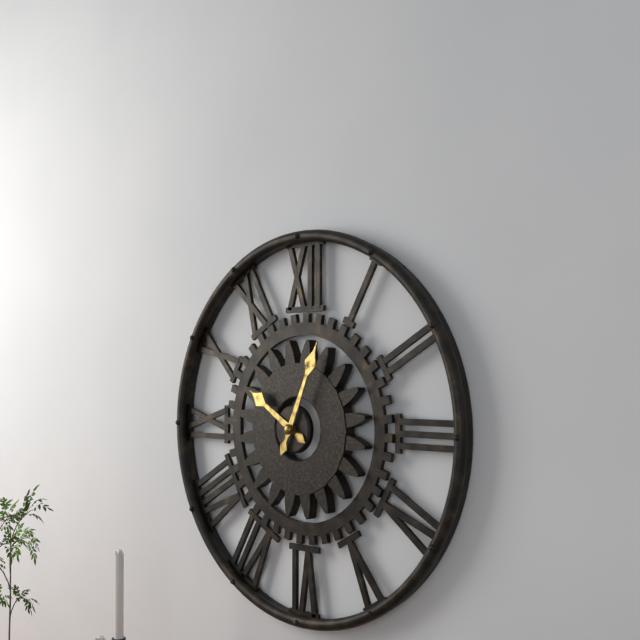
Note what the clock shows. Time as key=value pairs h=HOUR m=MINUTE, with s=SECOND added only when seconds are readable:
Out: h=10 m=4
